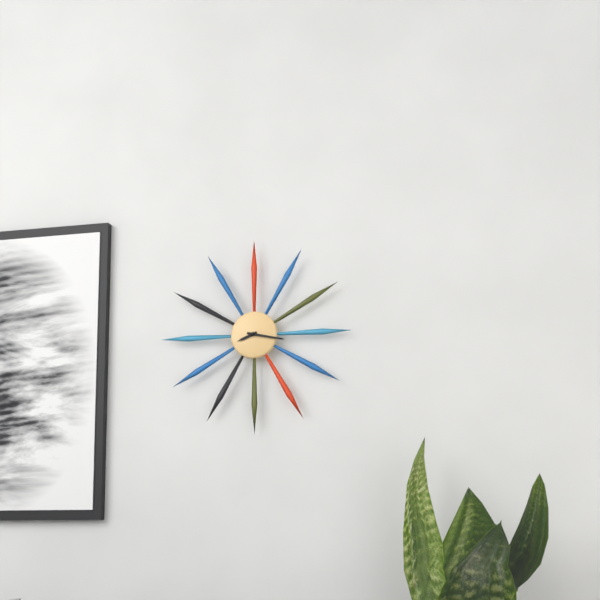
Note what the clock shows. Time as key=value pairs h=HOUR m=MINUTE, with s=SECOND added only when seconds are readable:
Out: h=8 m=17
